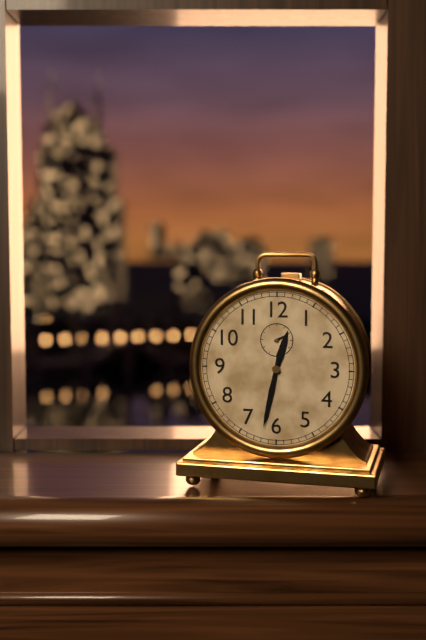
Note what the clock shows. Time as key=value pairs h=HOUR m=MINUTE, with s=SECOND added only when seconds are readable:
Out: h=12 m=32
